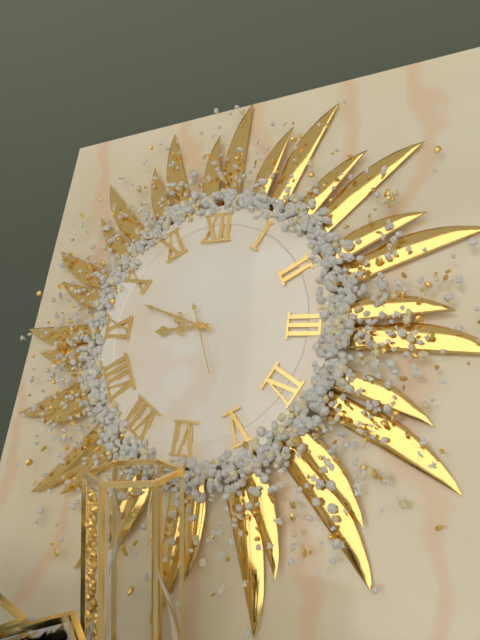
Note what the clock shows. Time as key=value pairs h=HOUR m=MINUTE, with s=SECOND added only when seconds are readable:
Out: h=8 m=48 s=26
